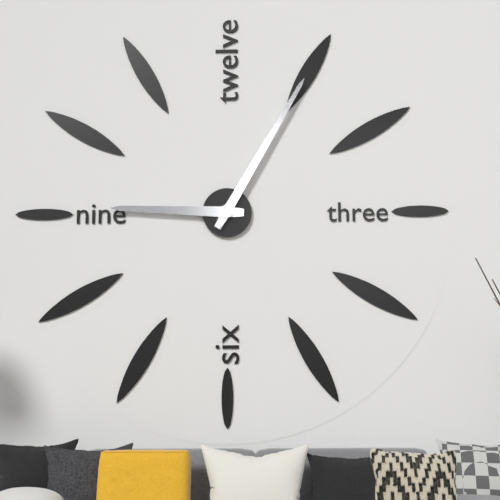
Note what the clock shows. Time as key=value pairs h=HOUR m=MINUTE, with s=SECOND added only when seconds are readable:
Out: h=9 m=5
